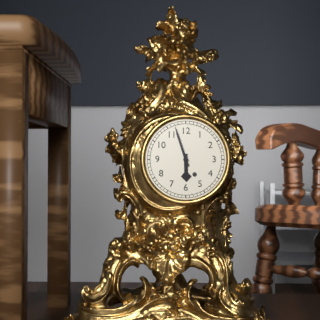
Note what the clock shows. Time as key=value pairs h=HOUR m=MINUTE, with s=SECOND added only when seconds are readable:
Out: h=5 m=57
